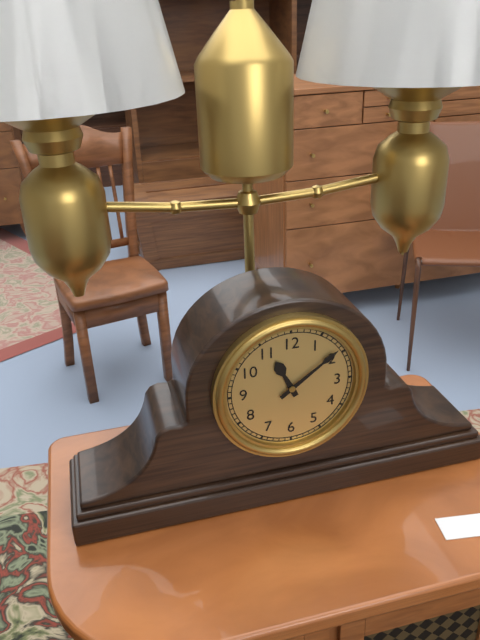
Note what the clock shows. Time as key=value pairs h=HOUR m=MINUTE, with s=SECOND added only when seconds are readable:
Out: h=11 m=9
